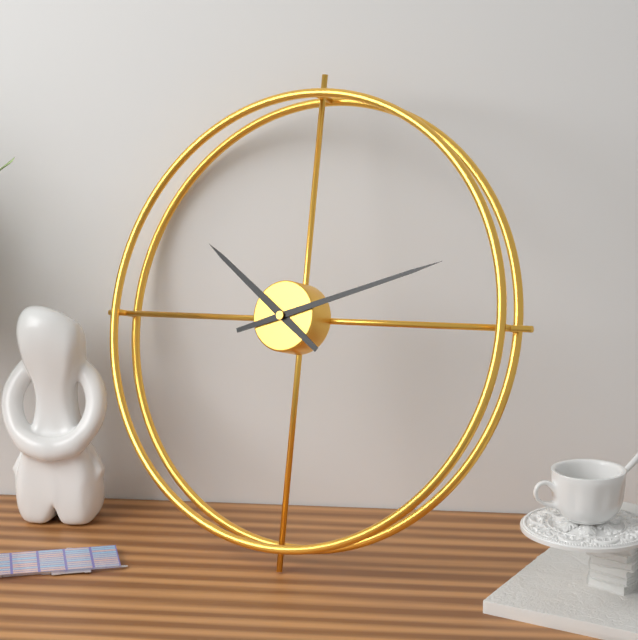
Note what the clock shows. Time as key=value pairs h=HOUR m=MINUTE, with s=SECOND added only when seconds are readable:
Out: h=10 m=12
